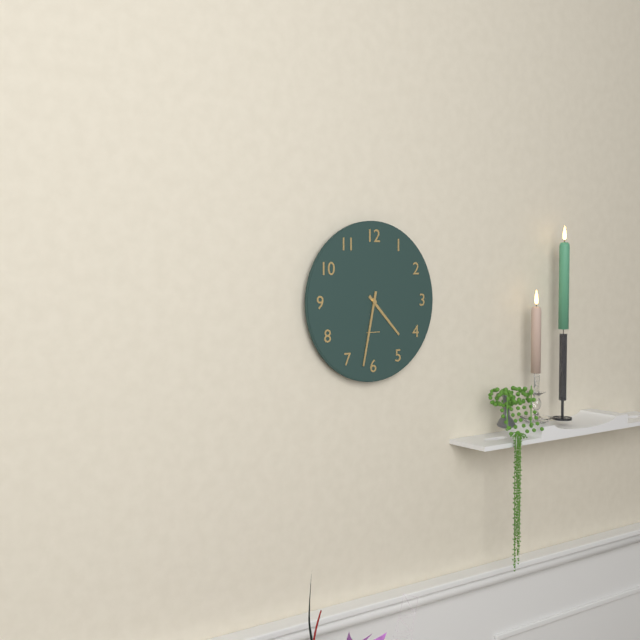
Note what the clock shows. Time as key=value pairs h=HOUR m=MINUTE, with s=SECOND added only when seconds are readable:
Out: h=4 m=32
